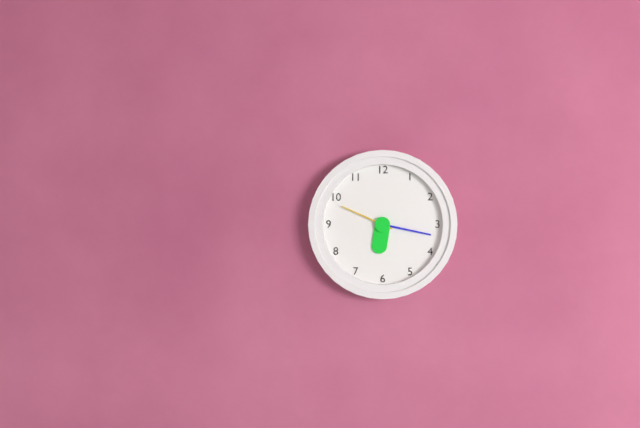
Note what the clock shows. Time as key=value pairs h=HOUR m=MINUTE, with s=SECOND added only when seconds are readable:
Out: h=6 m=17 s=49
